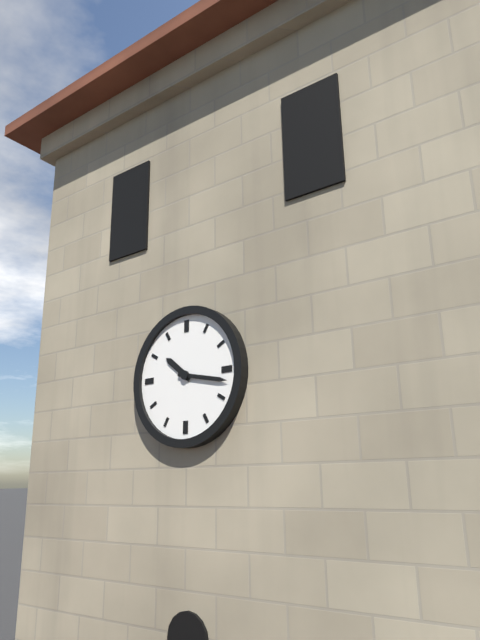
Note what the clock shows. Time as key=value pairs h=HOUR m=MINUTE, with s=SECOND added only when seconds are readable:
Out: h=10 m=17
